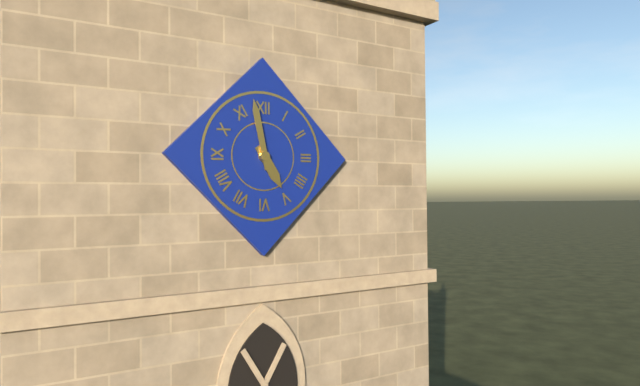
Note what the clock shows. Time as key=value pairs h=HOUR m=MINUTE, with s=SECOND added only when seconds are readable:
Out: h=4 m=58
